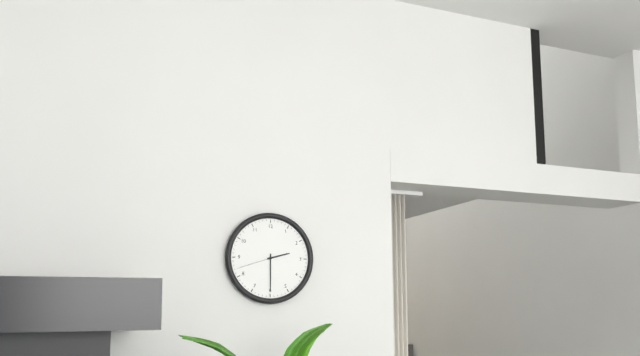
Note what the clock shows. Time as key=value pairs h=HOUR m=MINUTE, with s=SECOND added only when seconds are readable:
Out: h=2 m=30
